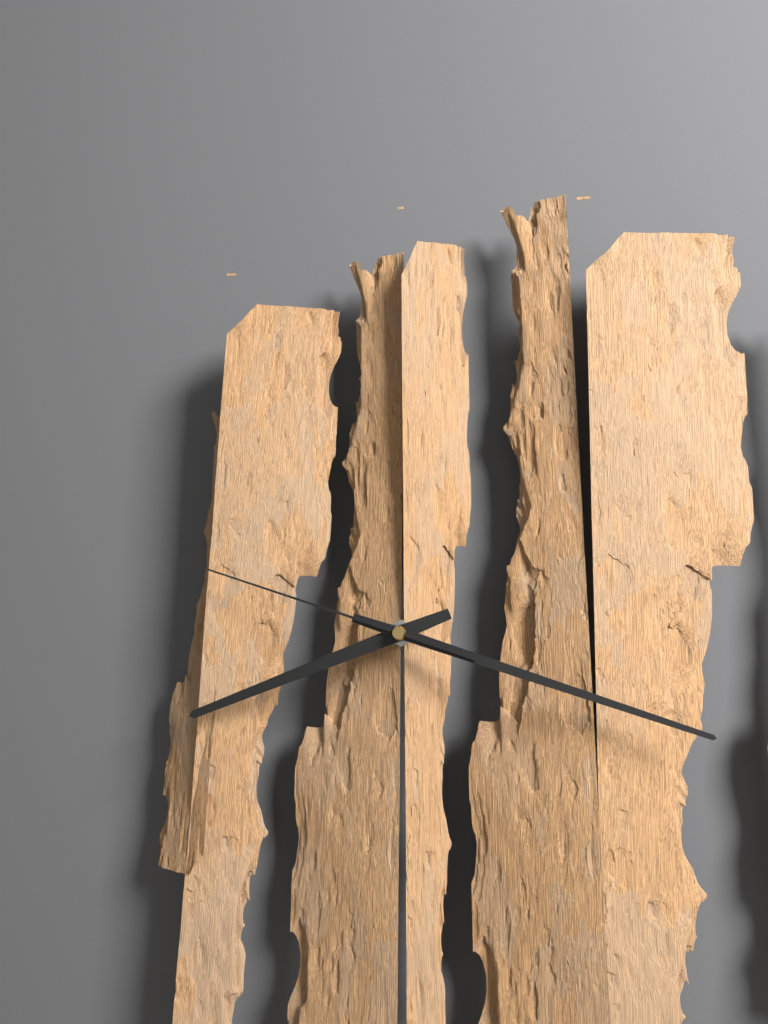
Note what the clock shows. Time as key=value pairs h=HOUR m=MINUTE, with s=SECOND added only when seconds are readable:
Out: h=8 m=18 s=48
